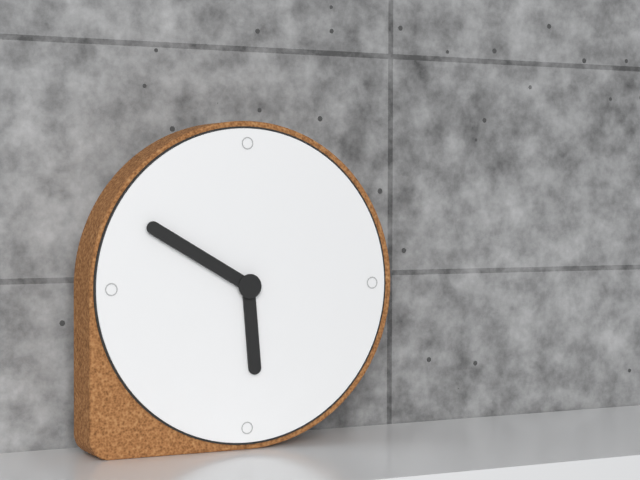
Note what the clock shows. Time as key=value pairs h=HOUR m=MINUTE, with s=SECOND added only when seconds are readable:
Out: h=5 m=50
